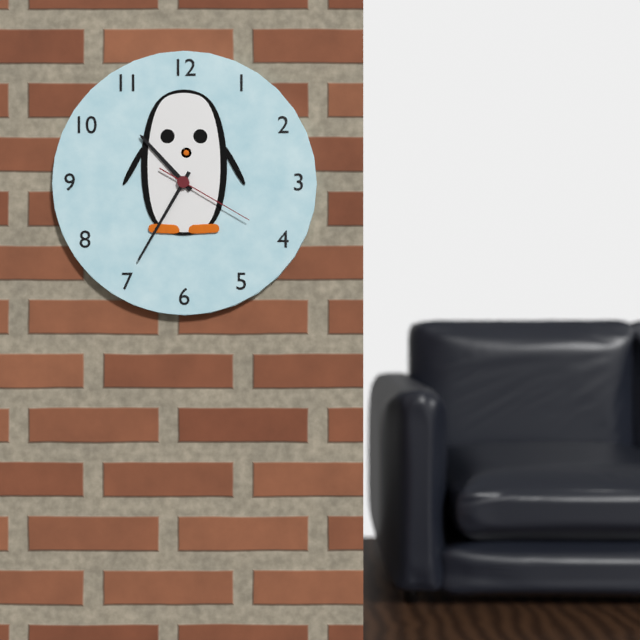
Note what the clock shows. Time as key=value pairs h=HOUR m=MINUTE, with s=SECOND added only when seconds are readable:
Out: h=10 m=35 s=20
